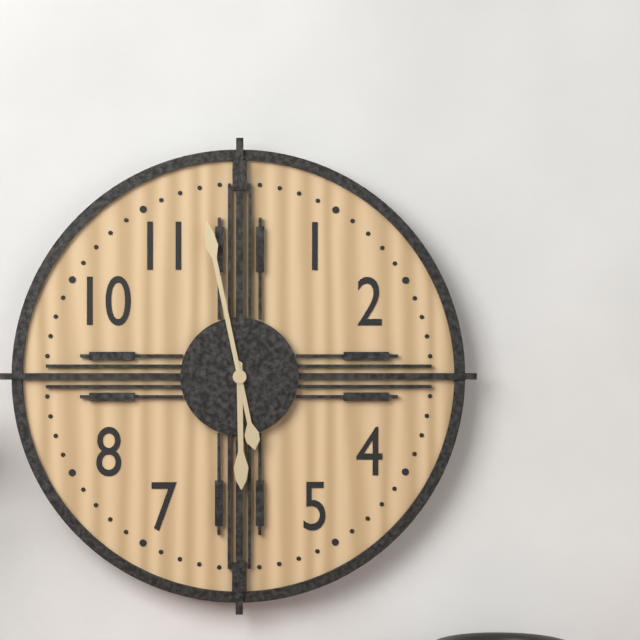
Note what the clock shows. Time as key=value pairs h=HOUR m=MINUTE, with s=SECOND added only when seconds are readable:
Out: h=5 m=58
